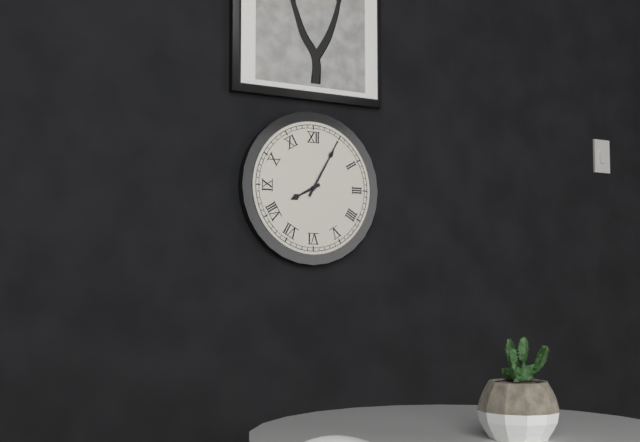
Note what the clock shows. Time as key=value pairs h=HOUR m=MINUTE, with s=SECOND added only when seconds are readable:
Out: h=8 m=5
